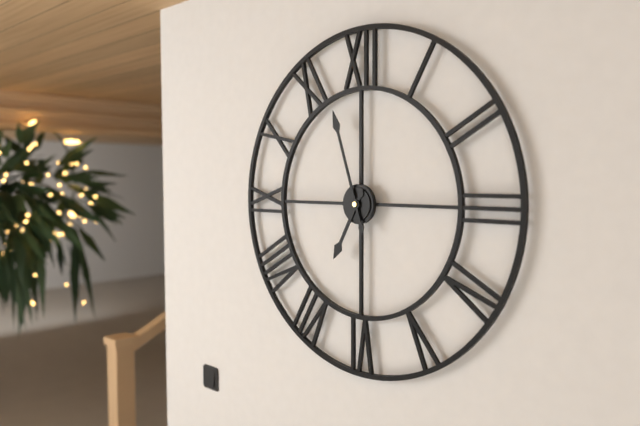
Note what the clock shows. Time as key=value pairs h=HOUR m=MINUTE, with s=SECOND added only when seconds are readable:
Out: h=6 m=57
